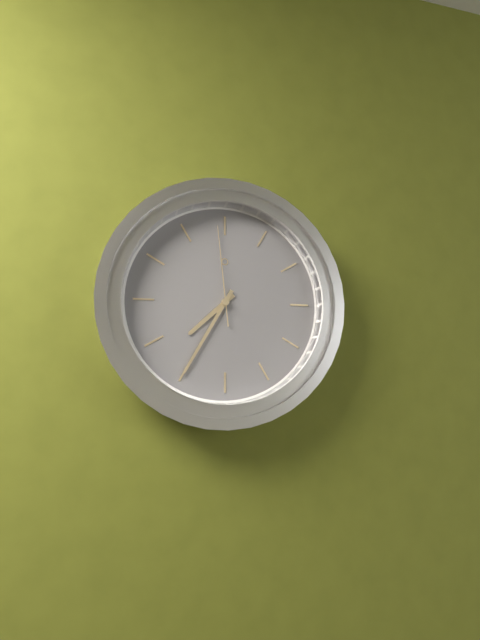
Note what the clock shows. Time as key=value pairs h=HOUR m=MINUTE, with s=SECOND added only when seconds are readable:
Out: h=7 m=35 s=59
